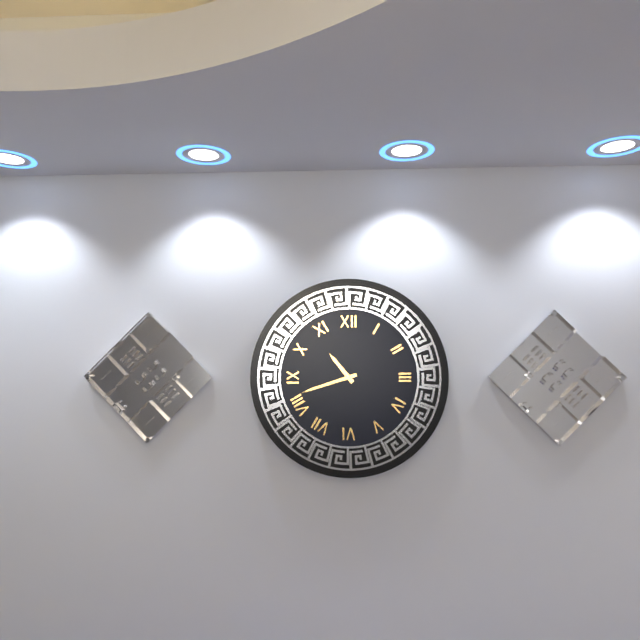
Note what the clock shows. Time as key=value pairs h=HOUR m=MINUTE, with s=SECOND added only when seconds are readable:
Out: h=10 m=42
